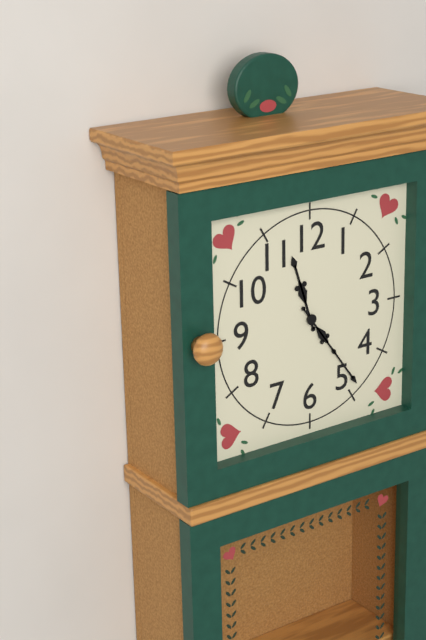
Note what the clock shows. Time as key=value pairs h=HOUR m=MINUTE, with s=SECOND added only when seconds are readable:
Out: h=11 m=24
